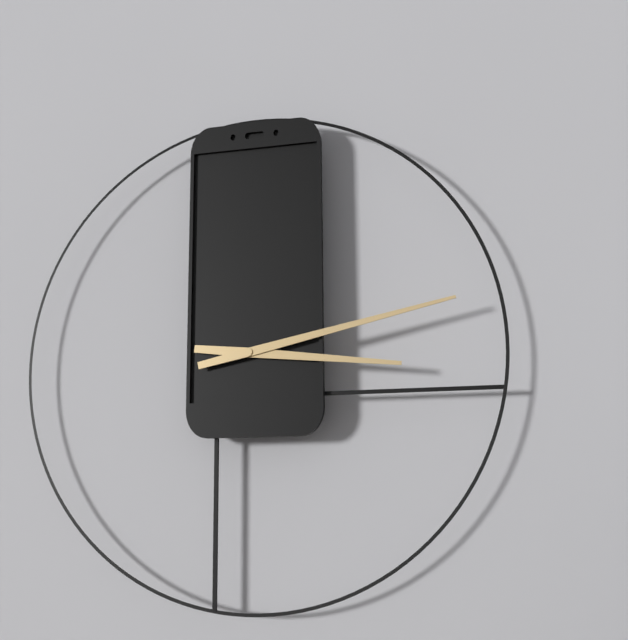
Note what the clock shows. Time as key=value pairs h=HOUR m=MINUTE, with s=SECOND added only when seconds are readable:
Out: h=3 m=13
